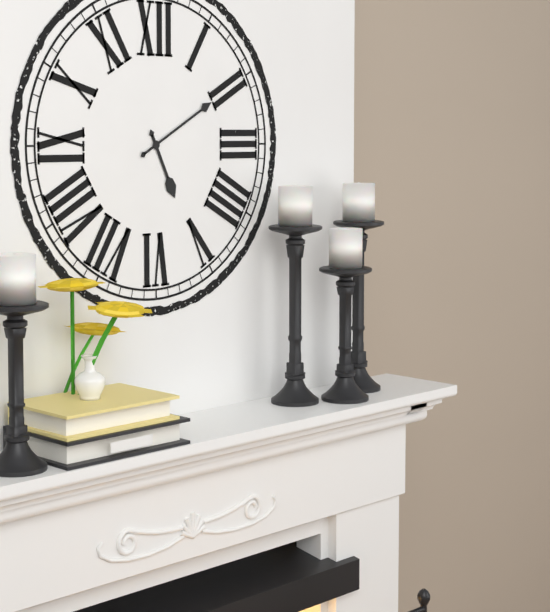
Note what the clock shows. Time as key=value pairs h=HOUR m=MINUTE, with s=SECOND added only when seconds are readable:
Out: h=5 m=10
